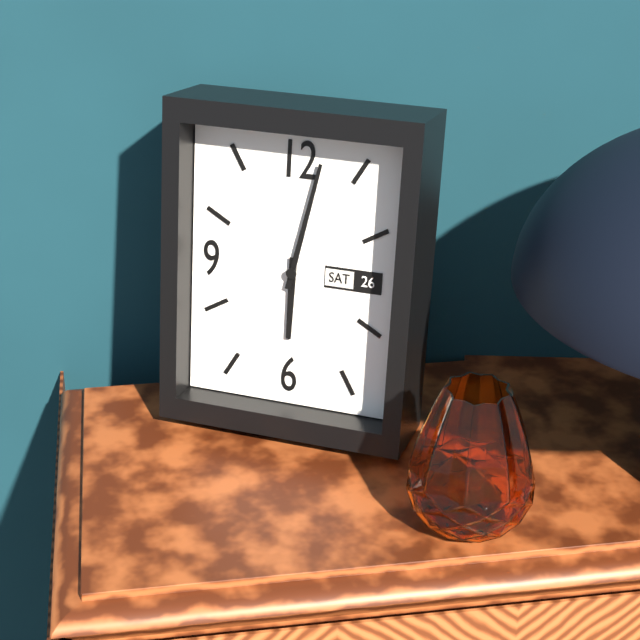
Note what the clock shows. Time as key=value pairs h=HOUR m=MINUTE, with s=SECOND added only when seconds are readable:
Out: h=6 m=2
